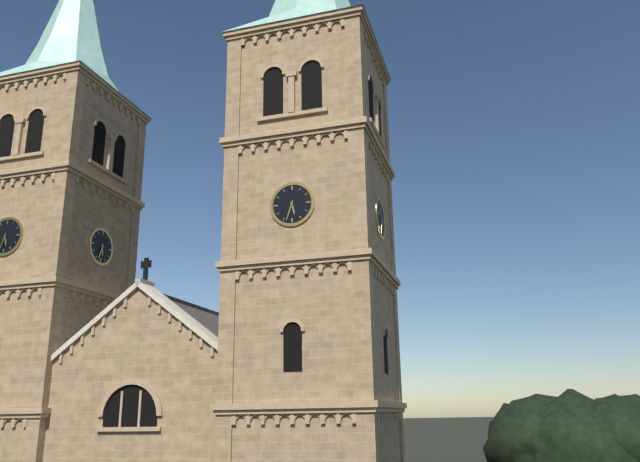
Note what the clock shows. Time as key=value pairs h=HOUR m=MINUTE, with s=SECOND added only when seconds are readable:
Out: h=5 m=33
